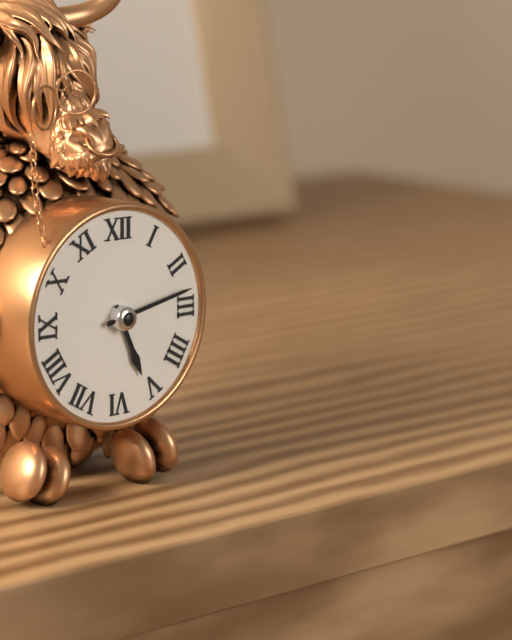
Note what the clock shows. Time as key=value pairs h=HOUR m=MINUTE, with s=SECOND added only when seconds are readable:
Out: h=5 m=13
